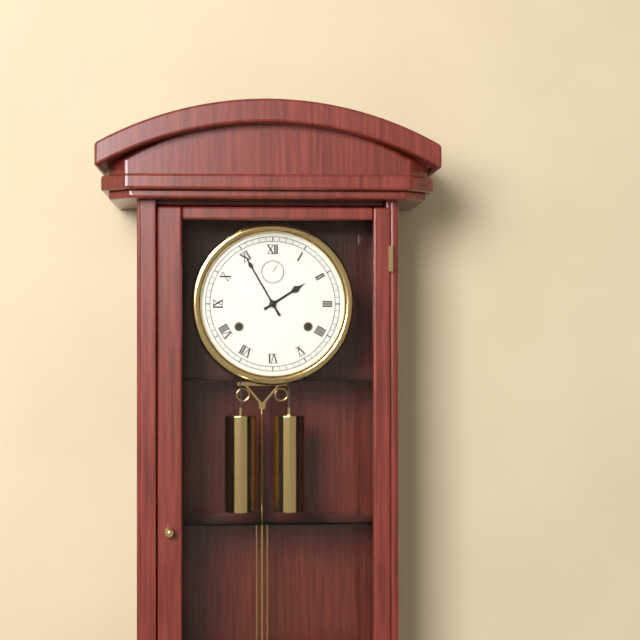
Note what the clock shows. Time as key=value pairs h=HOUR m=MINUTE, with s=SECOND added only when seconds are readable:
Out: h=1 m=55
